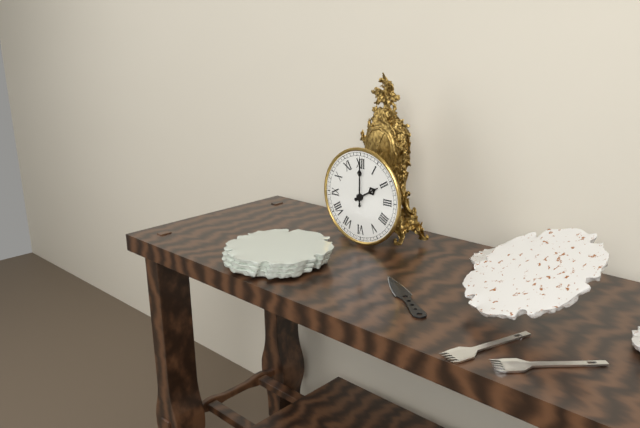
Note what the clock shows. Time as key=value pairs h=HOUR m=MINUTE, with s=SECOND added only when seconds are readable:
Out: h=2 m=0
